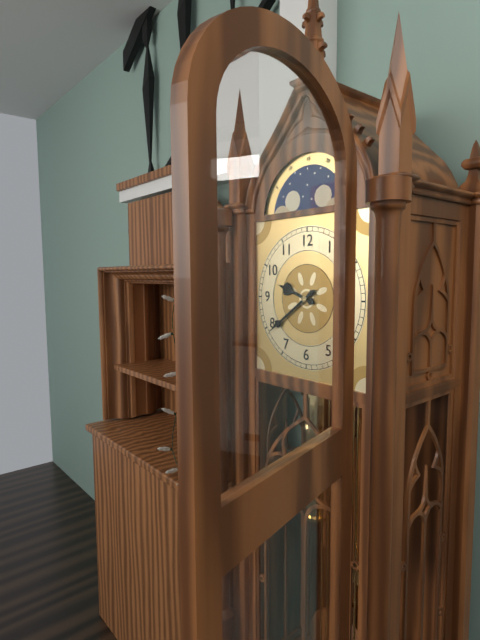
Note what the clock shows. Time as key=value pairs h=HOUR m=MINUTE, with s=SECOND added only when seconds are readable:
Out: h=9 m=39
